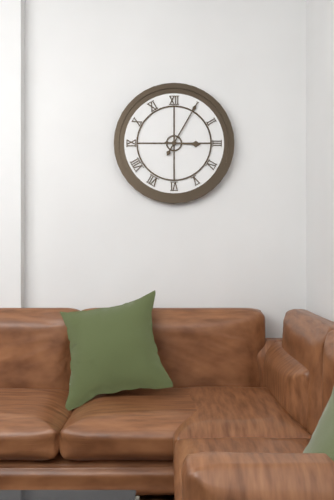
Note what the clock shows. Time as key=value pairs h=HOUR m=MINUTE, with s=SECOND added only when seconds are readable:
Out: h=3 m=5
